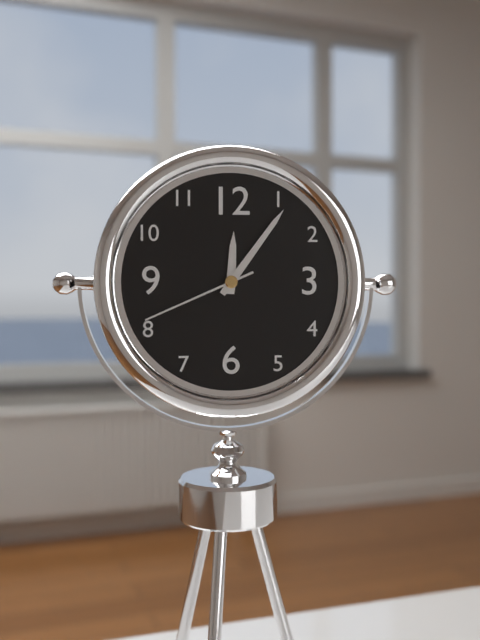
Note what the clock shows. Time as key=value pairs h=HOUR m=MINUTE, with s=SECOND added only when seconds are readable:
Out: h=12 m=6 s=41
